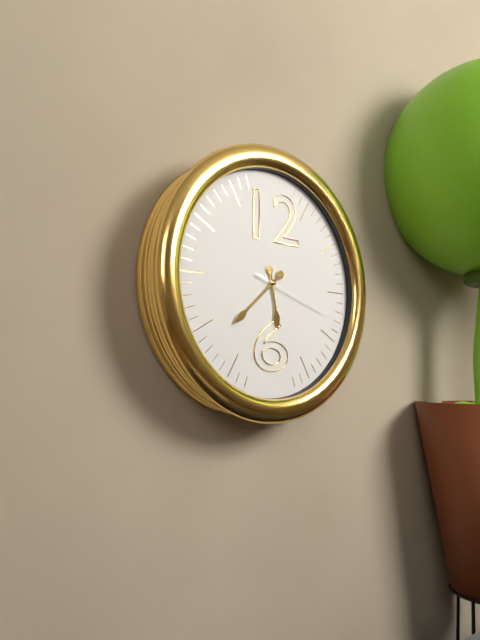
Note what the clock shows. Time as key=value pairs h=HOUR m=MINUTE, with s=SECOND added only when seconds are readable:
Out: h=5 m=38 s=18
